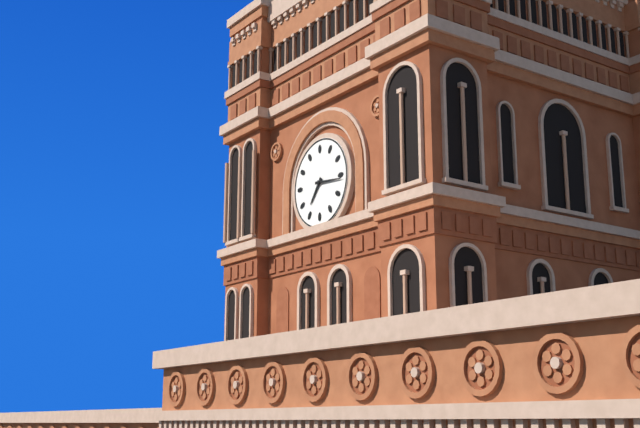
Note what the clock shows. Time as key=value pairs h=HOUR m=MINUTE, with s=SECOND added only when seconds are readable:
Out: h=7 m=16
